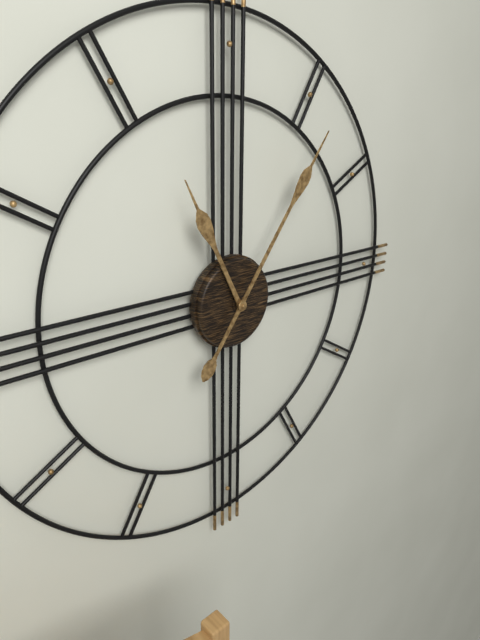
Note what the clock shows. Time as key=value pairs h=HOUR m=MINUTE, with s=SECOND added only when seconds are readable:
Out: h=11 m=6
